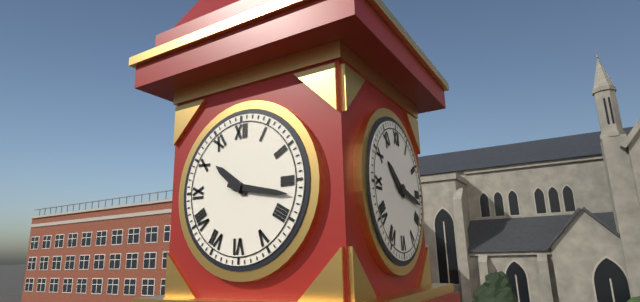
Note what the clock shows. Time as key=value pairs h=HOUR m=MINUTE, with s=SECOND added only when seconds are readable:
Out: h=10 m=17
